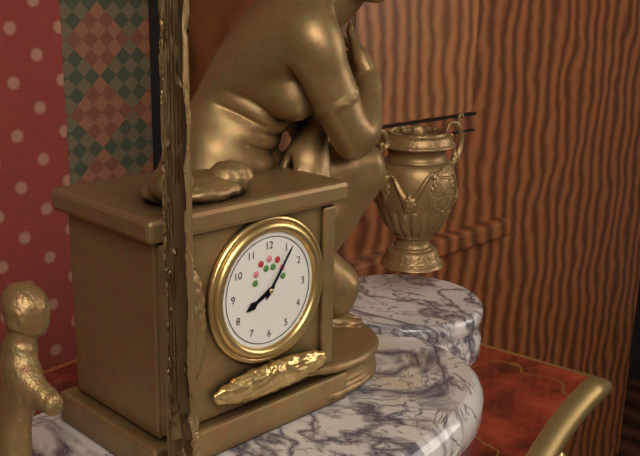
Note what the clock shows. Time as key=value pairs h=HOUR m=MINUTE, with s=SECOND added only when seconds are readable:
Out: h=8 m=6
